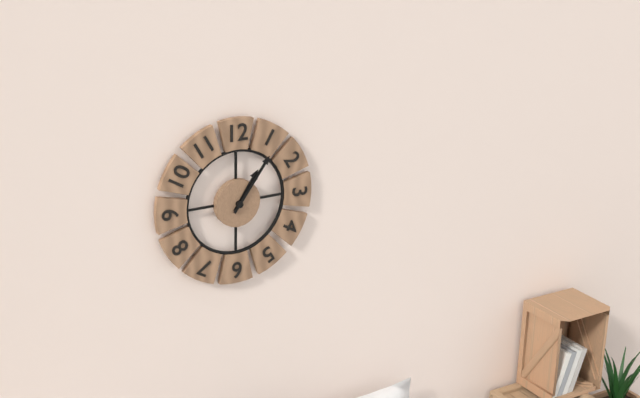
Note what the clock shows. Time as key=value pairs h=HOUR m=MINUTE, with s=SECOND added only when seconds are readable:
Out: h=1 m=6
